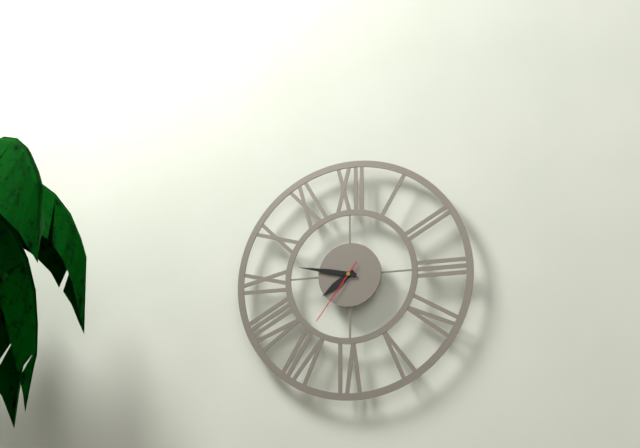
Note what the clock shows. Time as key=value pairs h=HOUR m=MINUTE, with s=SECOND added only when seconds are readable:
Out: h=7 m=47 s=36
